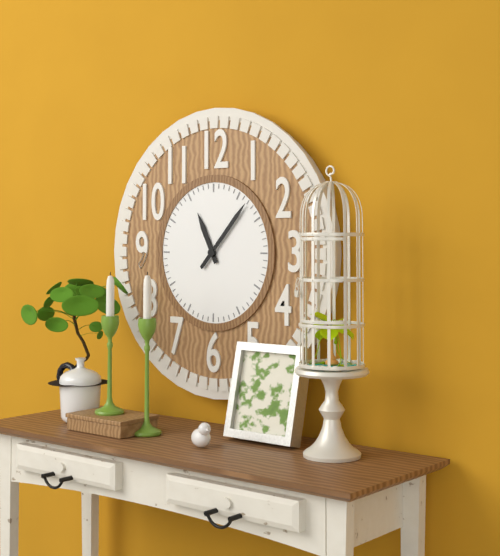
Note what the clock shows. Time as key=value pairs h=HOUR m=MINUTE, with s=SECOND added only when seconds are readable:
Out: h=11 m=7
